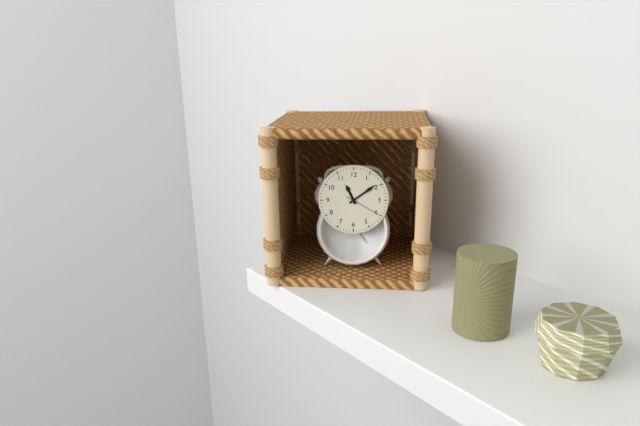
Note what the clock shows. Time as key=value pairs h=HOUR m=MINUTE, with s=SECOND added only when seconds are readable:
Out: h=11 m=9
